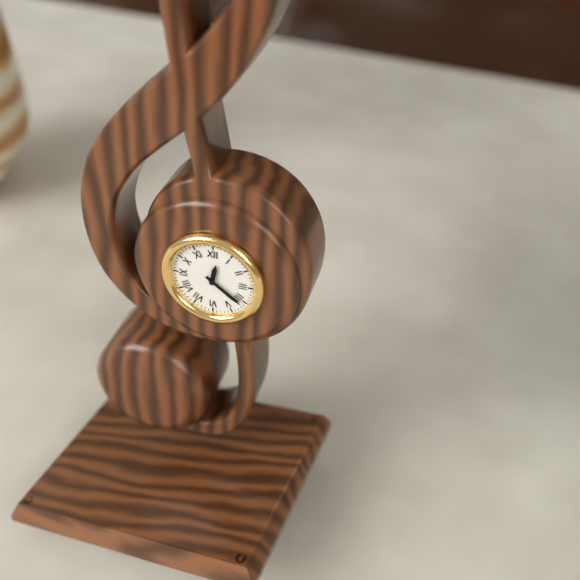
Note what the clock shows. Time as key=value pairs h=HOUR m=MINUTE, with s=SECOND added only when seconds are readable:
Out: h=12 m=21
